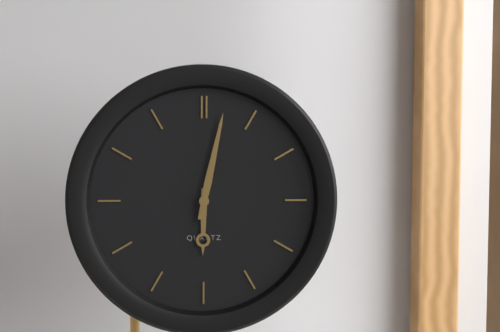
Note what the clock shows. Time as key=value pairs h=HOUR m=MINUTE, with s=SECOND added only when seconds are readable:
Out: h=6 m=2
